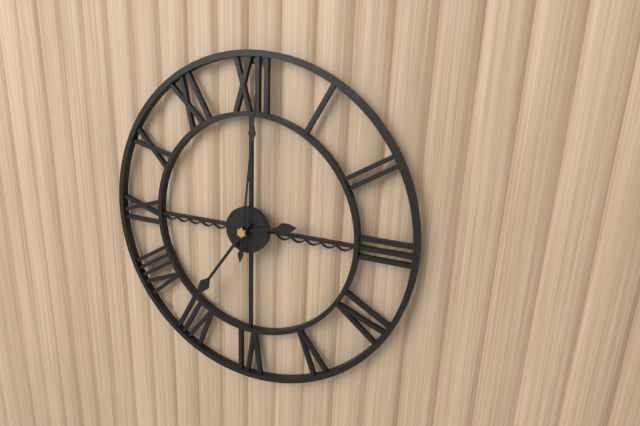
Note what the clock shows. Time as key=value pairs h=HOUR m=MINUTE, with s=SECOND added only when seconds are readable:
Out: h=2 m=36 s=1
